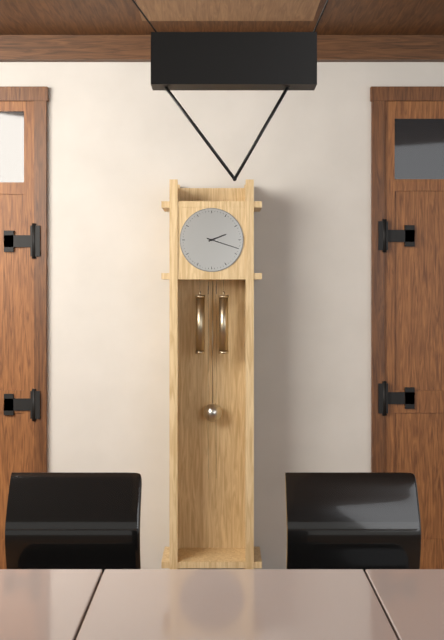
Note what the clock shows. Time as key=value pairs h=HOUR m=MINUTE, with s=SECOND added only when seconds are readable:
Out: h=2 m=18
